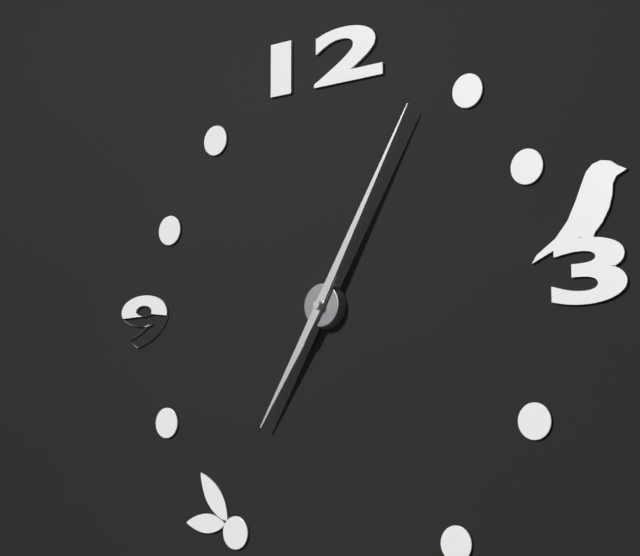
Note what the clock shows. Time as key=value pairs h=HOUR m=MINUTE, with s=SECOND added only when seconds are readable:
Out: h=7 m=5
